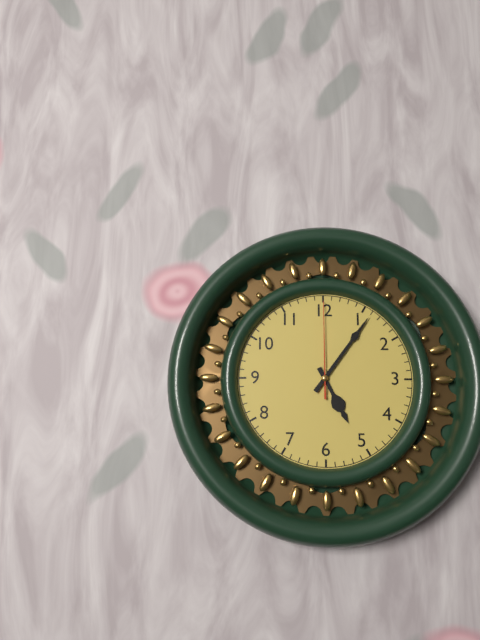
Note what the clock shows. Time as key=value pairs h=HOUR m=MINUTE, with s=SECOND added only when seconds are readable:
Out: h=5 m=6 s=0
